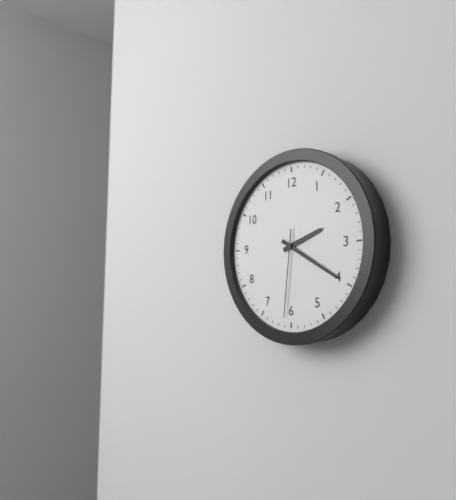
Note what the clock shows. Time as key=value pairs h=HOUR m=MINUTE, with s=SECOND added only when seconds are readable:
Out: h=2 m=20 s=31
